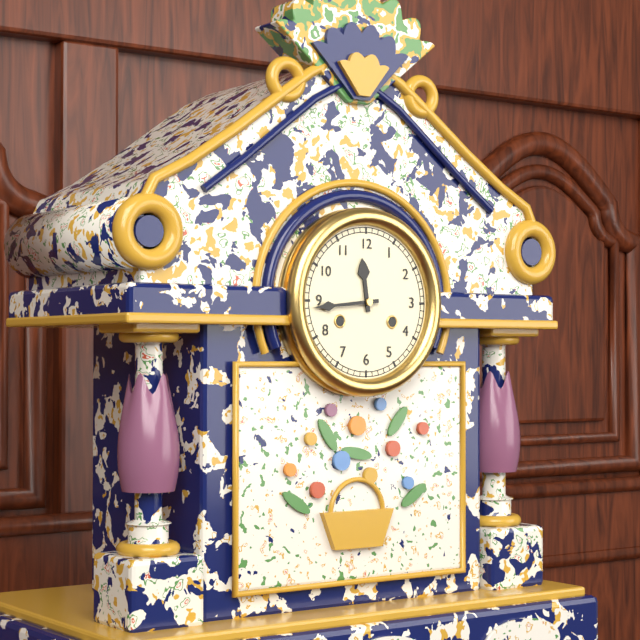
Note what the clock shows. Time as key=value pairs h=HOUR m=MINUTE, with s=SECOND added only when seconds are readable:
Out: h=11 m=44
